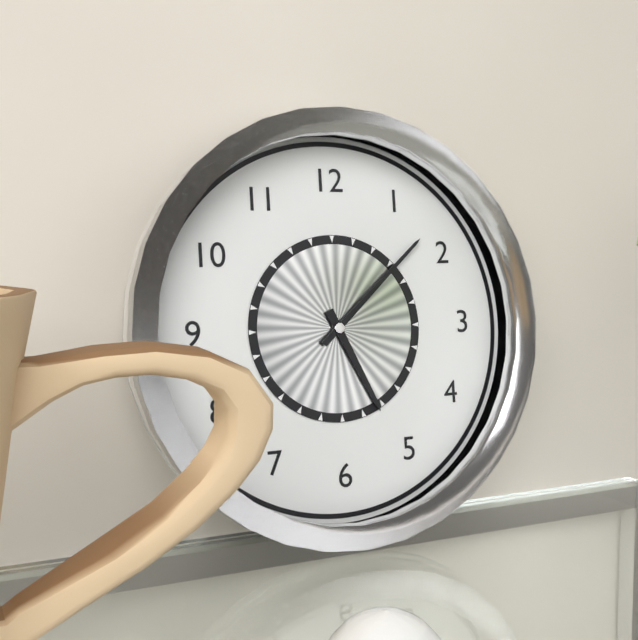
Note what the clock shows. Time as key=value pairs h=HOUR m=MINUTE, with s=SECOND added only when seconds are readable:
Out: h=5 m=8
